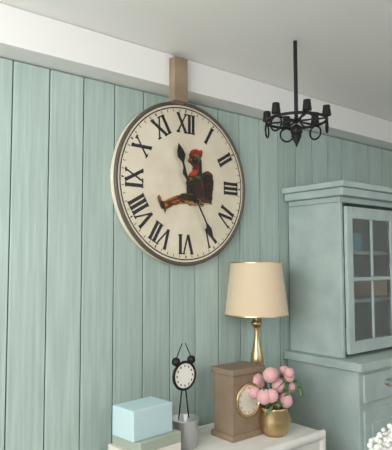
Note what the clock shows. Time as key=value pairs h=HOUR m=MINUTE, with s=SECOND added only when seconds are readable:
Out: h=11 m=25
